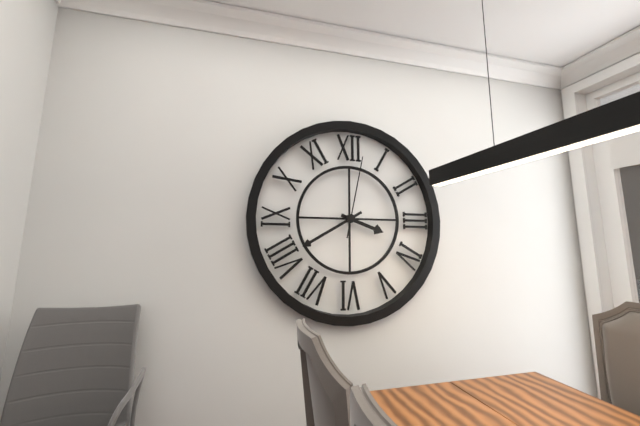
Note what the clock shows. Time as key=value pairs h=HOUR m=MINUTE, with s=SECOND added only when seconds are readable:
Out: h=3 m=40 s=2
